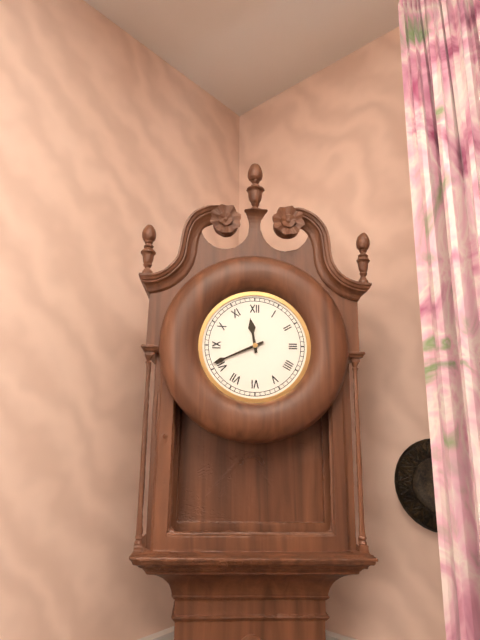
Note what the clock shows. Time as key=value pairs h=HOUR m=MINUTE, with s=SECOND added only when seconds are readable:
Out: h=11 m=41
